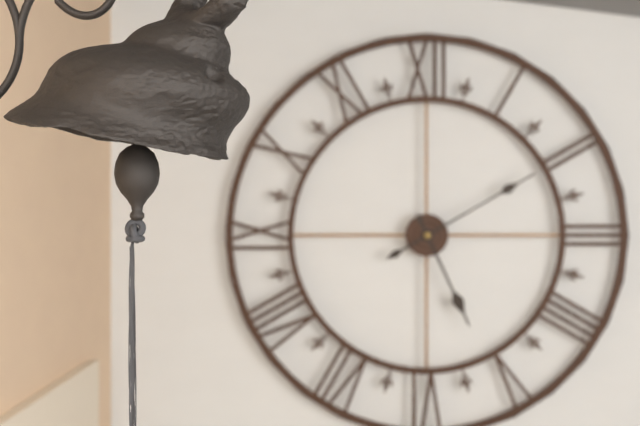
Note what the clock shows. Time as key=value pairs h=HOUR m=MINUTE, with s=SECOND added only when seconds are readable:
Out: h=5 m=10
